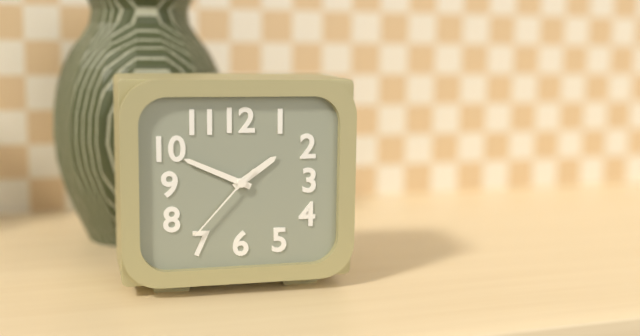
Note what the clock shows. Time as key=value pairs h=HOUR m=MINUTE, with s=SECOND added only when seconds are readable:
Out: h=1 m=49 s=37
